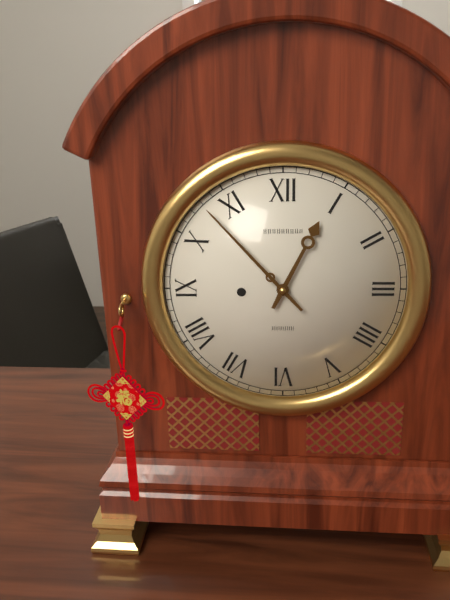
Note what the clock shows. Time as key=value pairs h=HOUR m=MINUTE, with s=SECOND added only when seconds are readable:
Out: h=12 m=53
